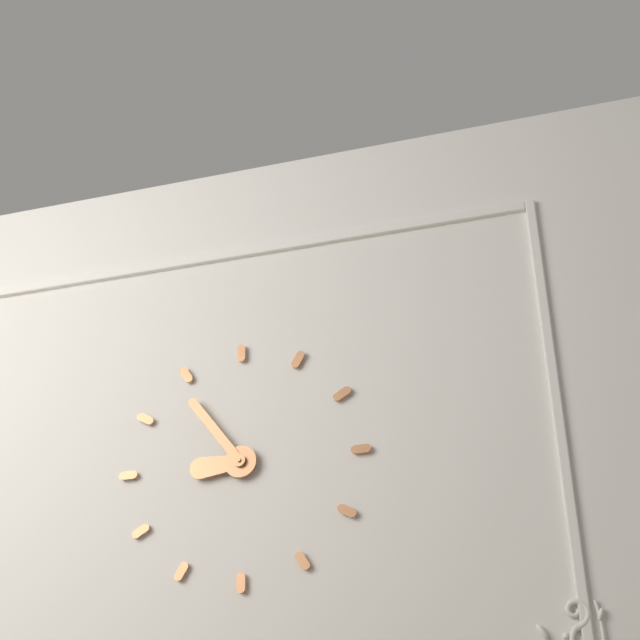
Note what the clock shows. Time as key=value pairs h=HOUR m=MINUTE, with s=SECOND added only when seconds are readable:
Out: h=8 m=54
